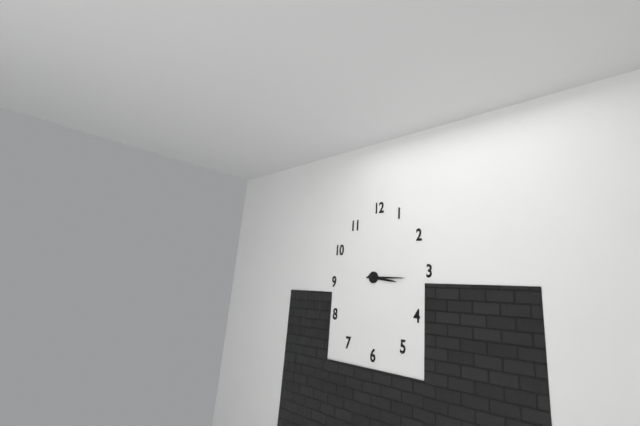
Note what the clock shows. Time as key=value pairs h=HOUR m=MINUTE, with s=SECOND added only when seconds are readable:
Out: h=3 m=15
